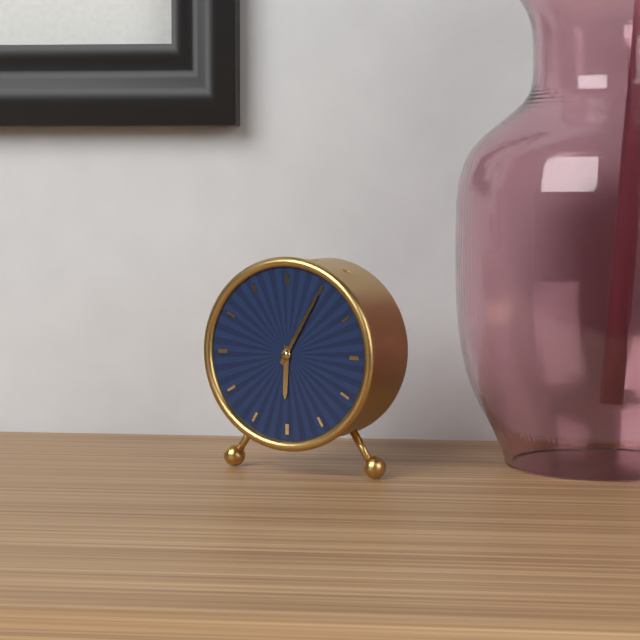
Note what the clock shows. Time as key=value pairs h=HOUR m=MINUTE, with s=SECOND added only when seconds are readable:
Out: h=6 m=5
